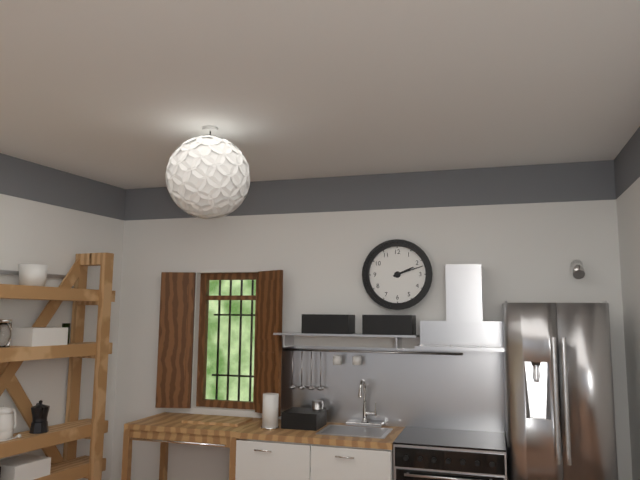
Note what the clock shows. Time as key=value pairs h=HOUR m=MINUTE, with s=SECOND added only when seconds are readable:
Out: h=2 m=12
